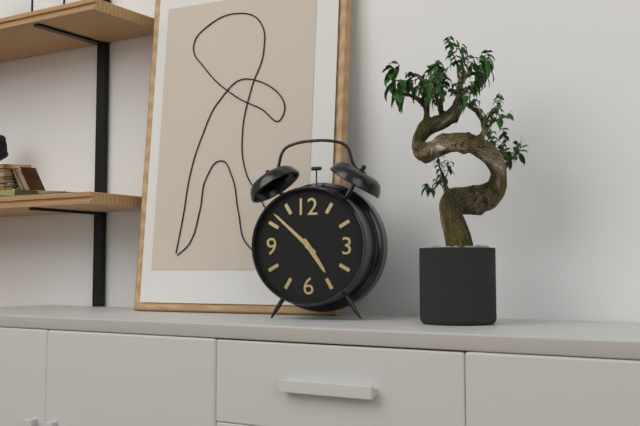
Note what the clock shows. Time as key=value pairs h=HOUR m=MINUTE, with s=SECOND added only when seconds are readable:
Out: h=4 m=52
